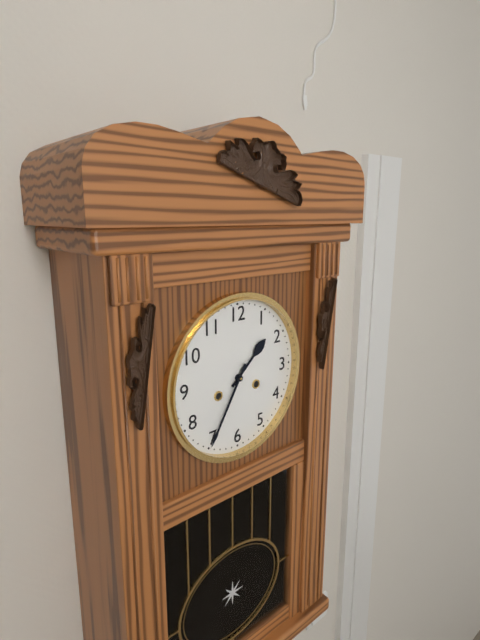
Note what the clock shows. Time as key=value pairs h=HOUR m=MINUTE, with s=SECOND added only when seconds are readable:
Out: h=1 m=35
